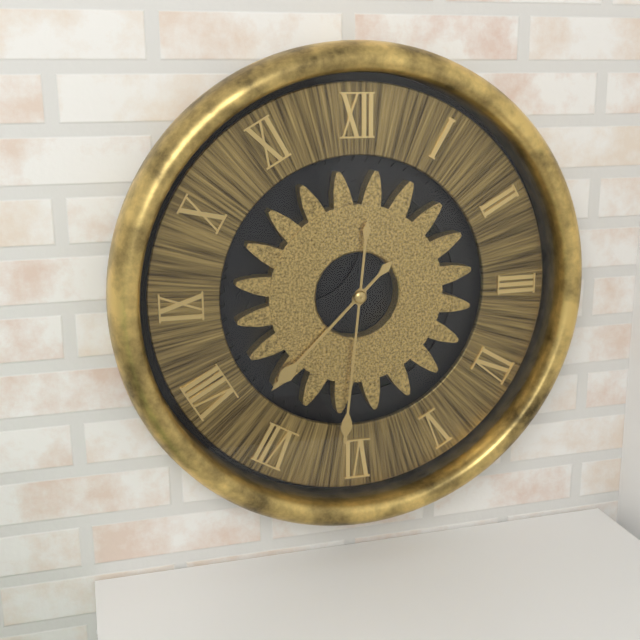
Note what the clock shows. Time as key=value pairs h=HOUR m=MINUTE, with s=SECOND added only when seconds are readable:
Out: h=7 m=31
